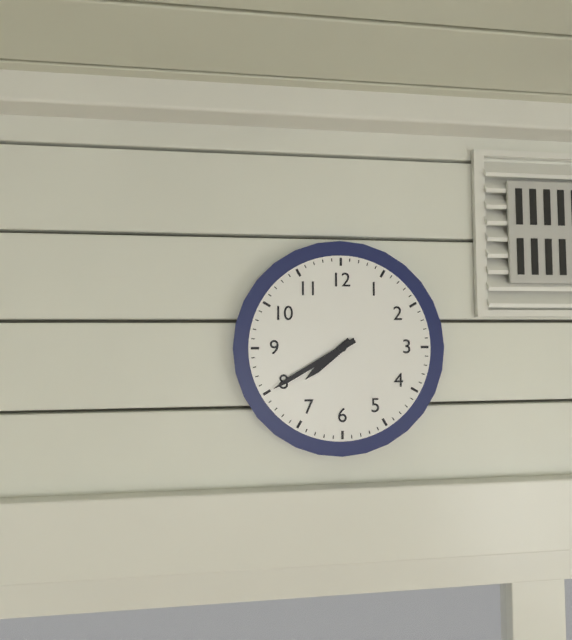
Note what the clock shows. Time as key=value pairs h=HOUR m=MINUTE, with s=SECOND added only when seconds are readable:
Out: h=7 m=40
